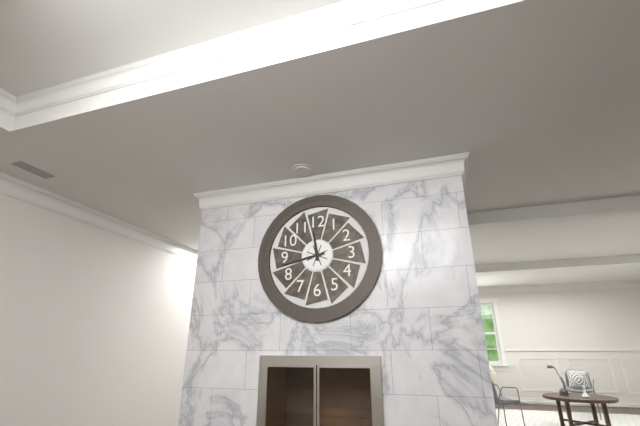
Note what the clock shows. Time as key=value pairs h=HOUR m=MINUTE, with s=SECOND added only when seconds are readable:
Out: h=11 m=43
